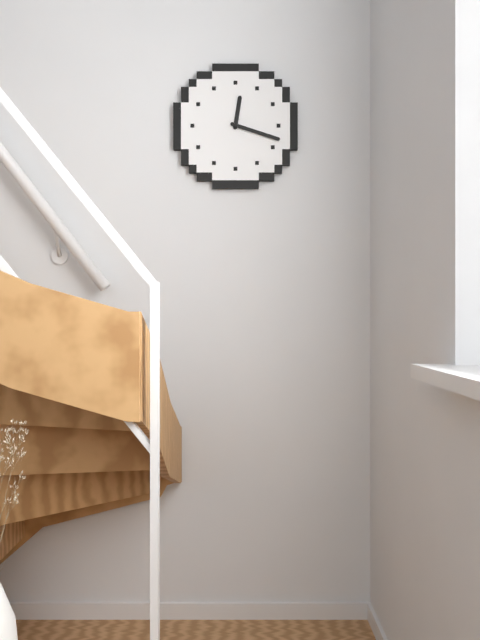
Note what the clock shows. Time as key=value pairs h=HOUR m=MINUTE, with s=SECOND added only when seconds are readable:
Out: h=12 m=18
